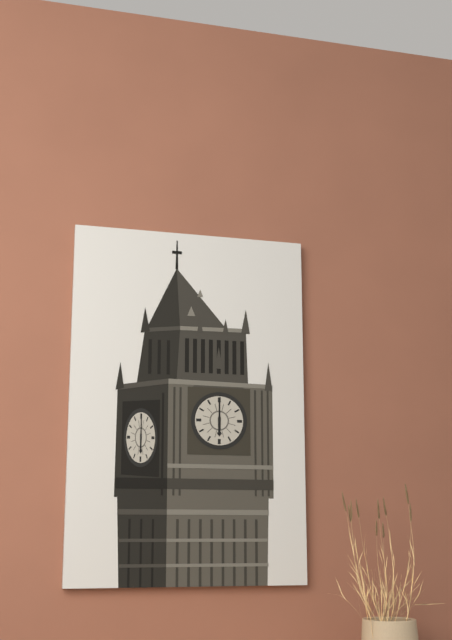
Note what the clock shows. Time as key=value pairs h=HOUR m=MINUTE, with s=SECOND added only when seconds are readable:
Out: h=6 m=0
